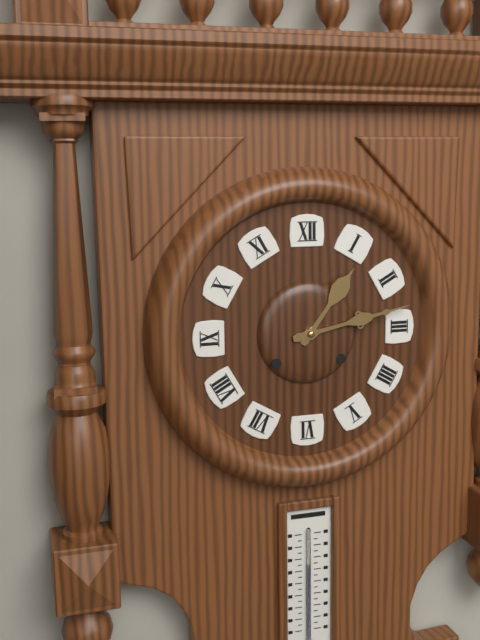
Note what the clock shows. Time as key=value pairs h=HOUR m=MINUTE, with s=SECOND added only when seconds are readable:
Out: h=1 m=13
